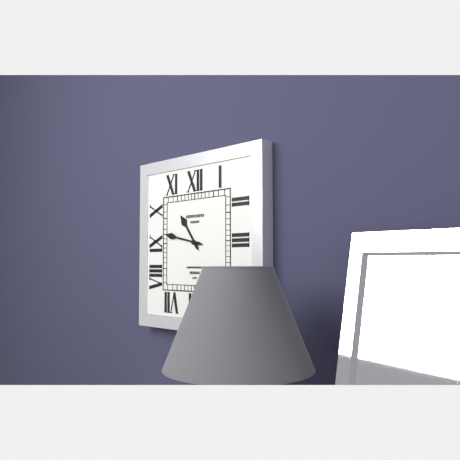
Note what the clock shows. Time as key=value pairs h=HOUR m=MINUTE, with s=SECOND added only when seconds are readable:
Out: h=10 m=47
